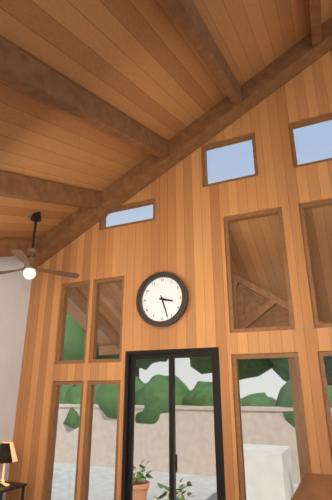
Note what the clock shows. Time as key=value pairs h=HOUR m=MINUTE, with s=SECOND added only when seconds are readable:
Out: h=3 m=27
